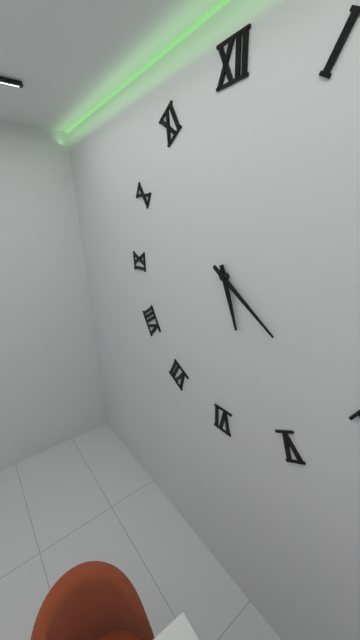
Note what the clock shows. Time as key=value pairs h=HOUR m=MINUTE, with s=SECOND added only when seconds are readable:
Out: h=5 m=21
